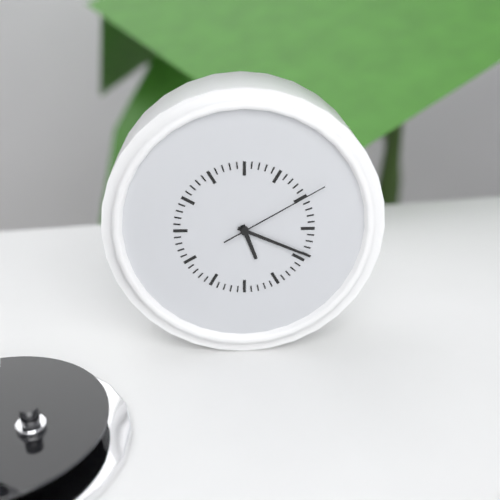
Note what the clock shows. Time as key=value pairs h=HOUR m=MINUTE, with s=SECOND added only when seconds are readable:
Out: h=5 m=19 s=10
